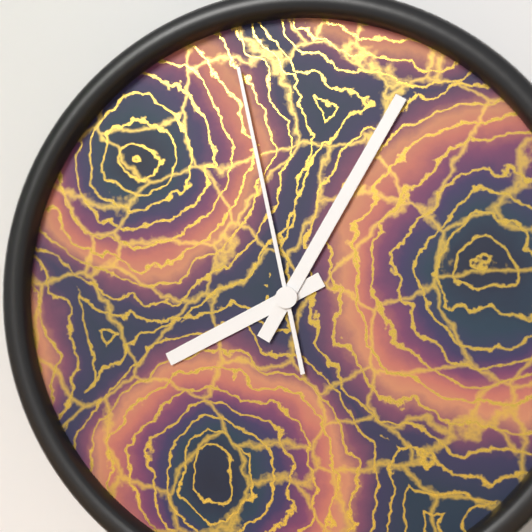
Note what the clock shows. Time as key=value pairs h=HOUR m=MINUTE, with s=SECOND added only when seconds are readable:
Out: h=8 m=5 s=58
